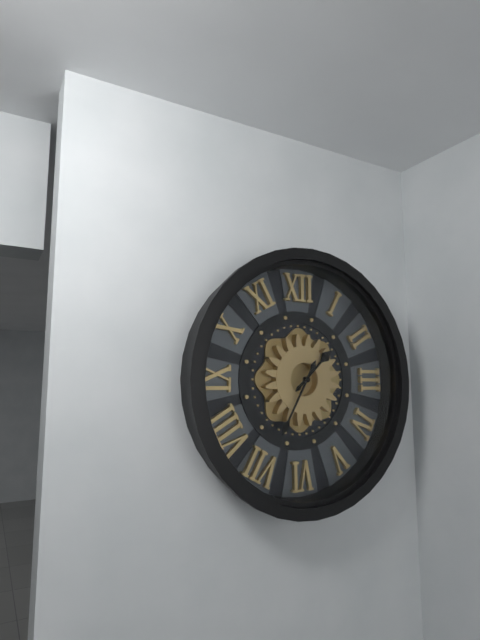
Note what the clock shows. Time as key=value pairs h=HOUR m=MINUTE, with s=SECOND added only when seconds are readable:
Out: h=1 m=35
